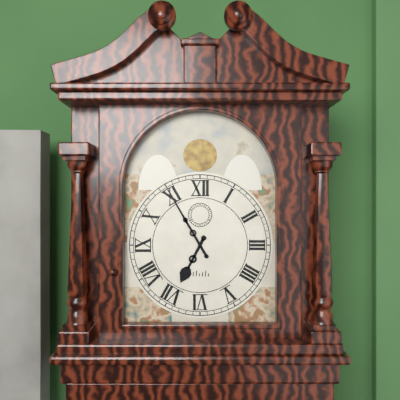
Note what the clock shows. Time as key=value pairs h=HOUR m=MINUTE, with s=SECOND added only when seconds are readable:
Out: h=6 m=55
